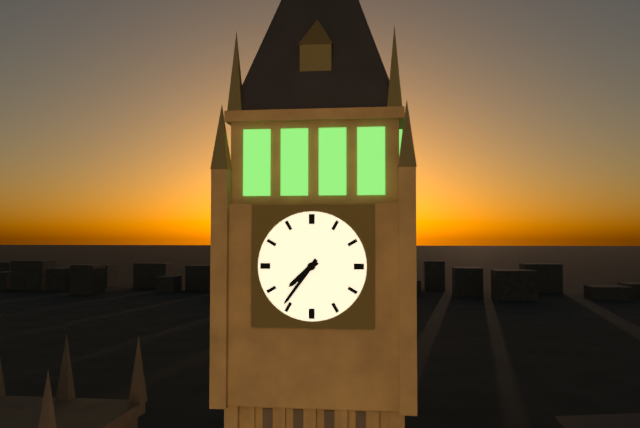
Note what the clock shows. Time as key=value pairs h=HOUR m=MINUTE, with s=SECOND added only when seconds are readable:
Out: h=7 m=36
